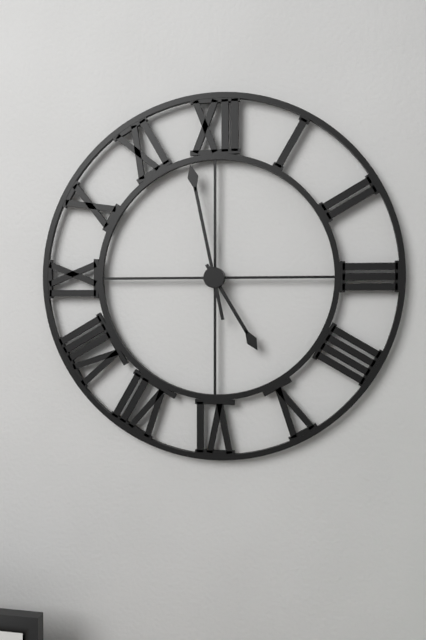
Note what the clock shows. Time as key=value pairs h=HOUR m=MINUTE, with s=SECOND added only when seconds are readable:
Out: h=4 m=58
